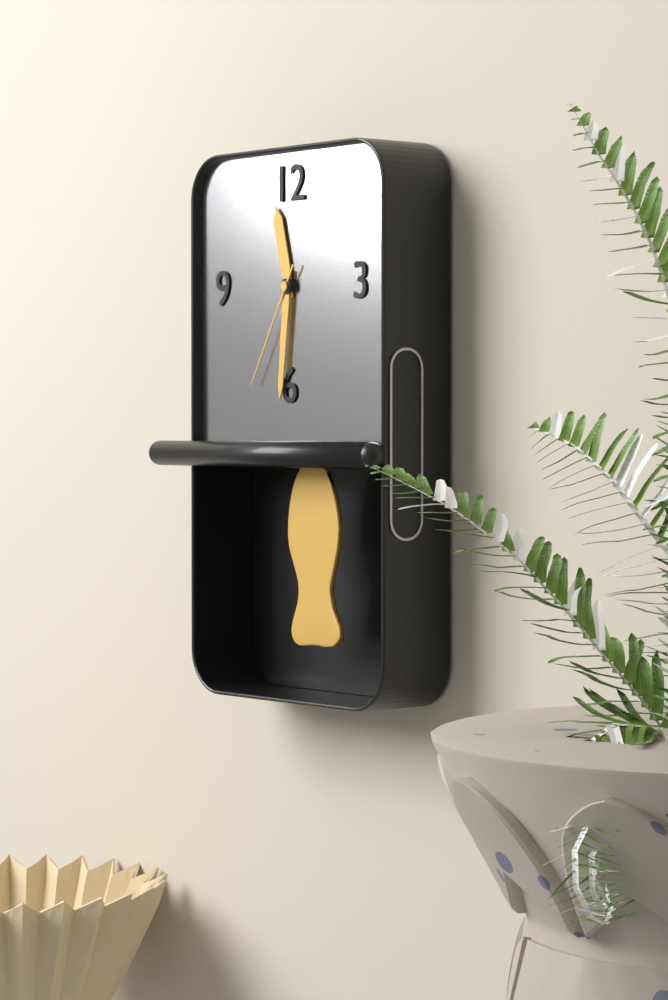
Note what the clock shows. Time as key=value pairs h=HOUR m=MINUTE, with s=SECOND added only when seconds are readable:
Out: h=11 m=31 s=35
